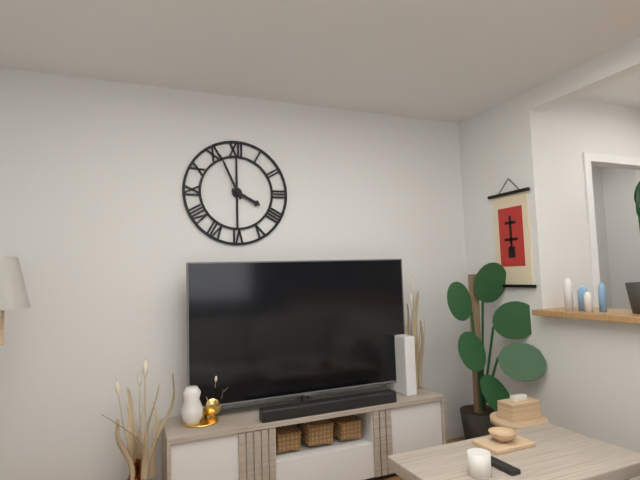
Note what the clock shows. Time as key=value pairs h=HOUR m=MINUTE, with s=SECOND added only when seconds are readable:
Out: h=3 m=56
